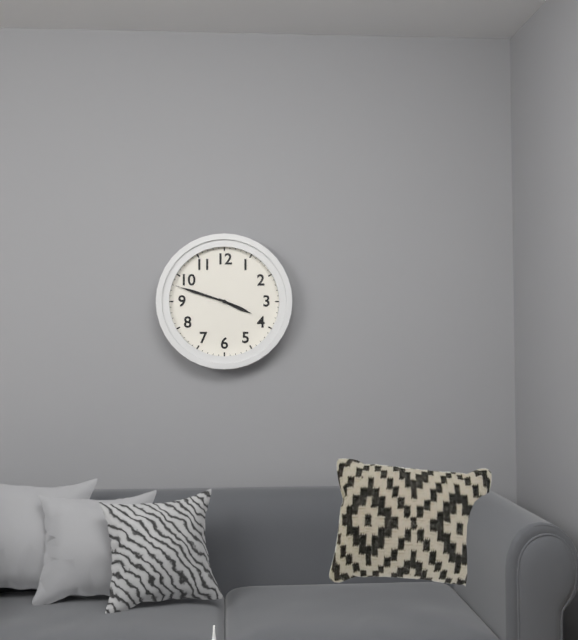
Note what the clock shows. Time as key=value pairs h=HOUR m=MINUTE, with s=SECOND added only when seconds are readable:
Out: h=3 m=48 s=48
